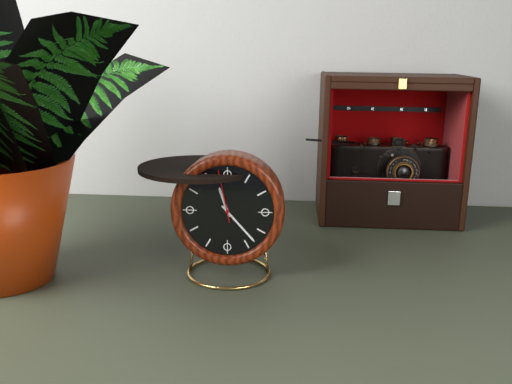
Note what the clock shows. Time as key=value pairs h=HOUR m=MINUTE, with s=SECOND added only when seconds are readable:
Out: h=11 m=23 s=58
